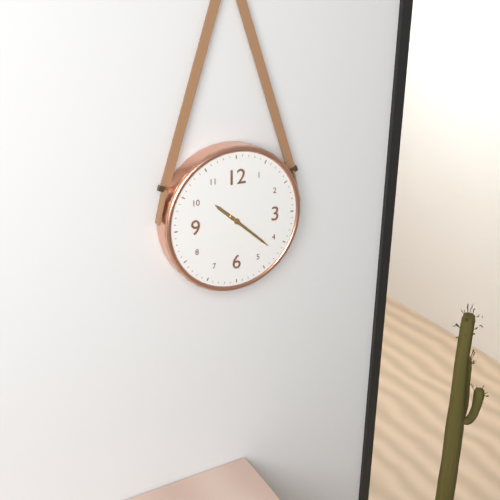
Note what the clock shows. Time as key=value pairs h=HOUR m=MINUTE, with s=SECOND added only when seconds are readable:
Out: h=10 m=22
